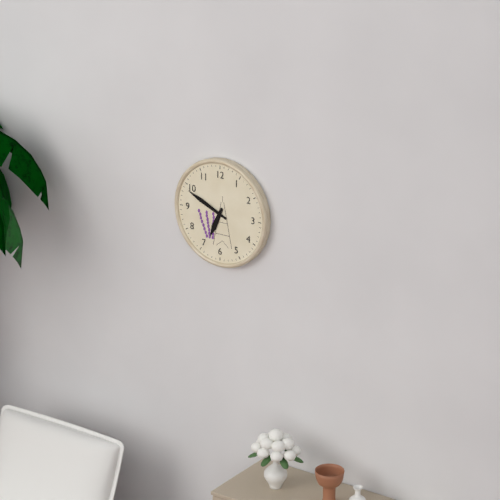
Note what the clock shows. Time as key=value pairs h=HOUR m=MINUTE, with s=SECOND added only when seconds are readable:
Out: h=6 m=49
